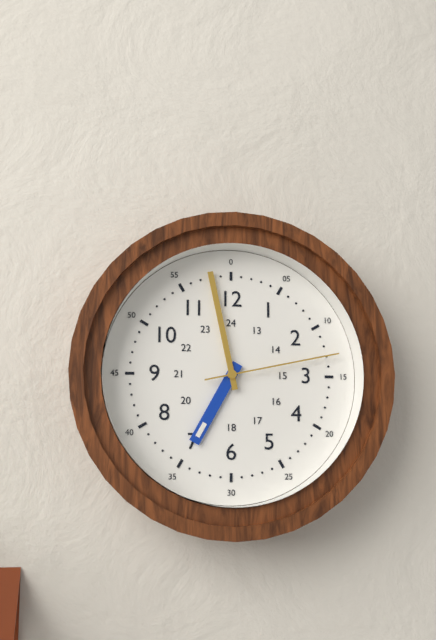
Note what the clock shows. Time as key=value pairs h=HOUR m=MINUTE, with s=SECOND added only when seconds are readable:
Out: h=6 m=58 s=13
